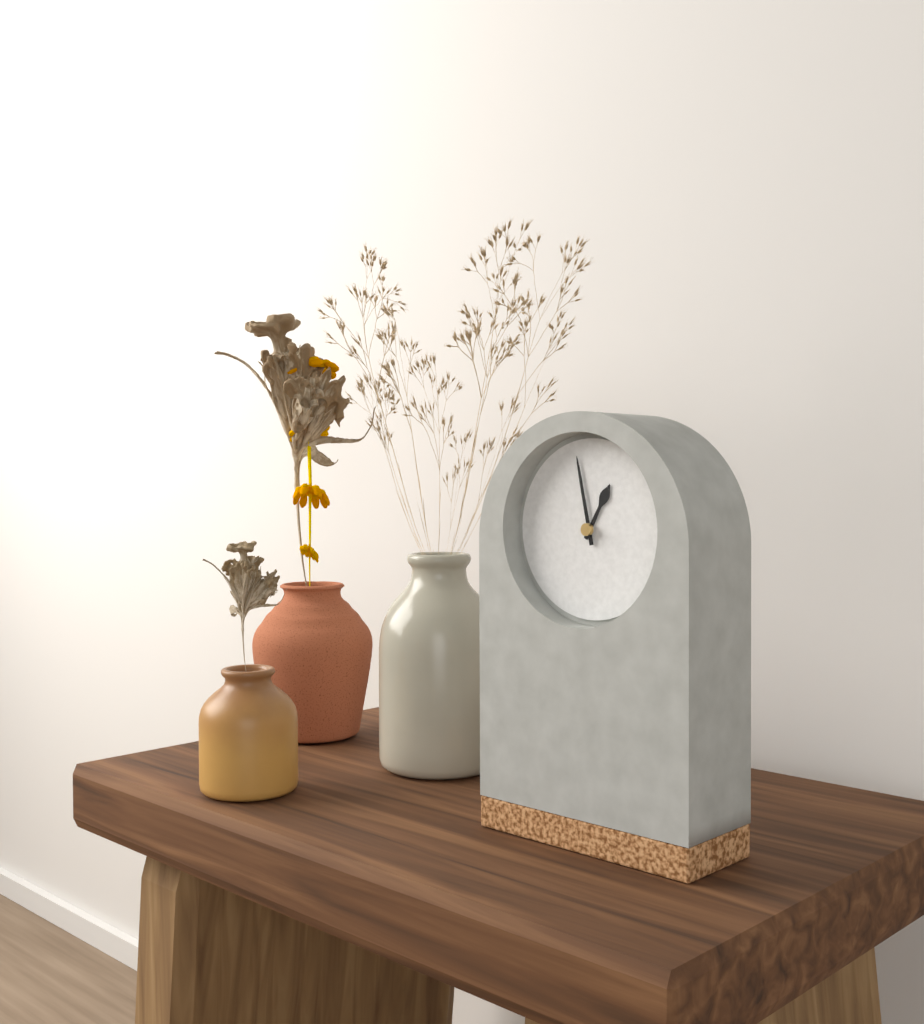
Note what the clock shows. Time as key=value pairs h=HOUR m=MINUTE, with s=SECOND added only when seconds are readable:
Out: h=12 m=58
